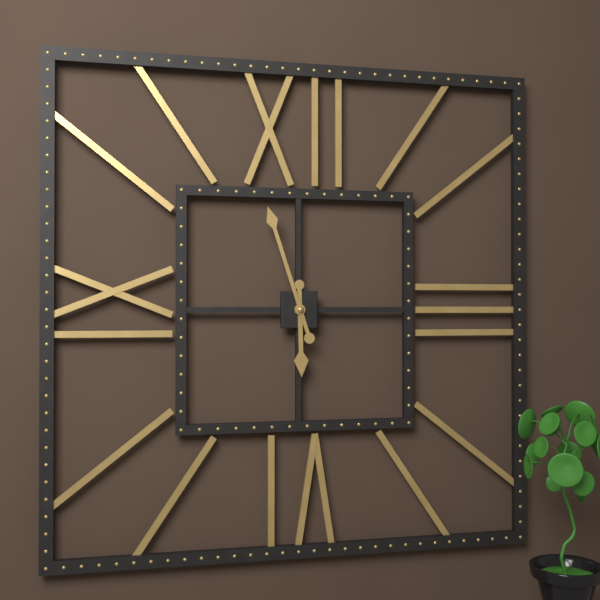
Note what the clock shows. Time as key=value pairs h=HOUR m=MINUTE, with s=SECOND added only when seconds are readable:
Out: h=5 m=57
